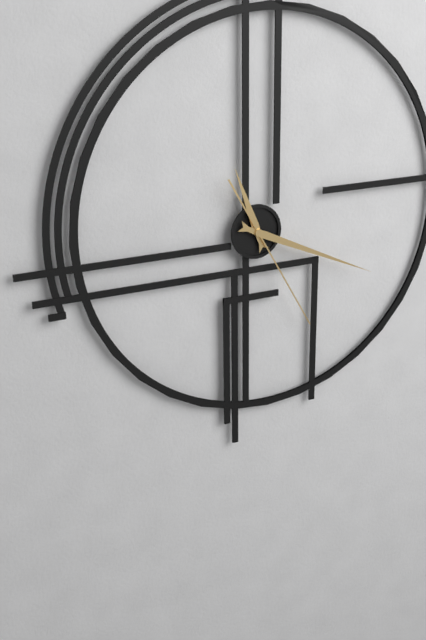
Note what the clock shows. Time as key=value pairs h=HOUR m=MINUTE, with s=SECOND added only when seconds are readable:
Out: h=11 m=19 s=25
